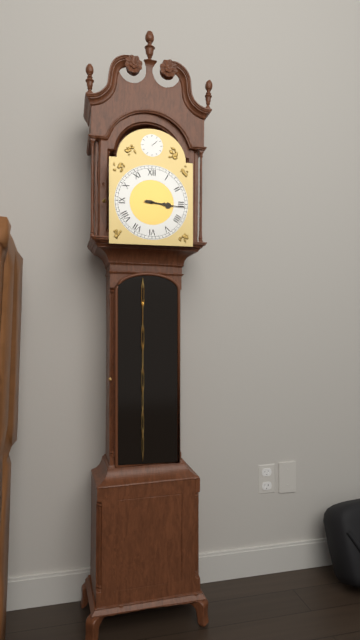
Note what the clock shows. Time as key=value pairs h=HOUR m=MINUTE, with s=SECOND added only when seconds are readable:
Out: h=3 m=16
